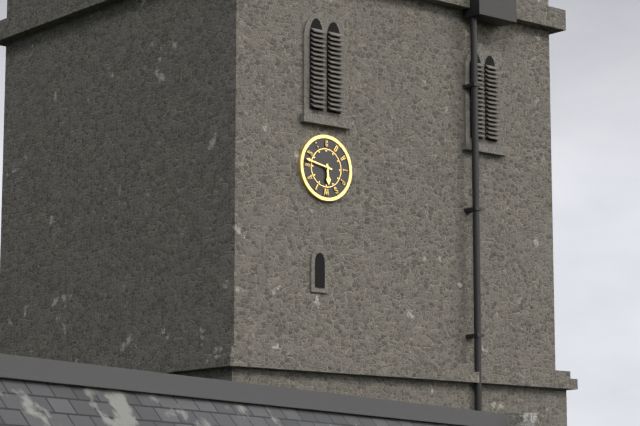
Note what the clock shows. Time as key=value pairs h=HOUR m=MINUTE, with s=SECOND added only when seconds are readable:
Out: h=5 m=47
